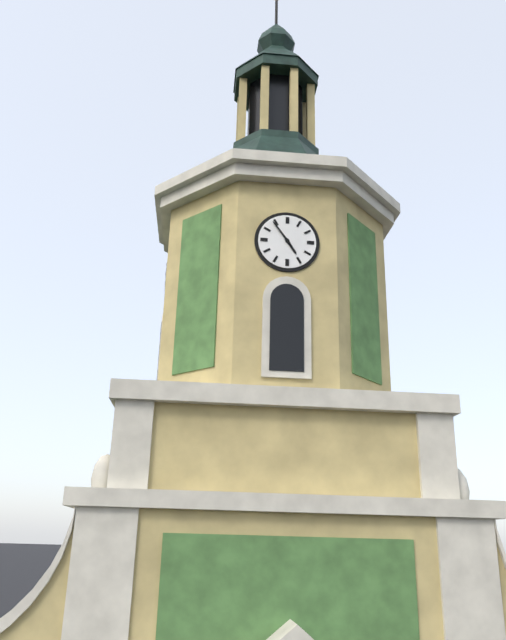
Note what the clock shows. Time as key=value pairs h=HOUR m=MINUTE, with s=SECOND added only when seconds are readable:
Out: h=4 m=54
